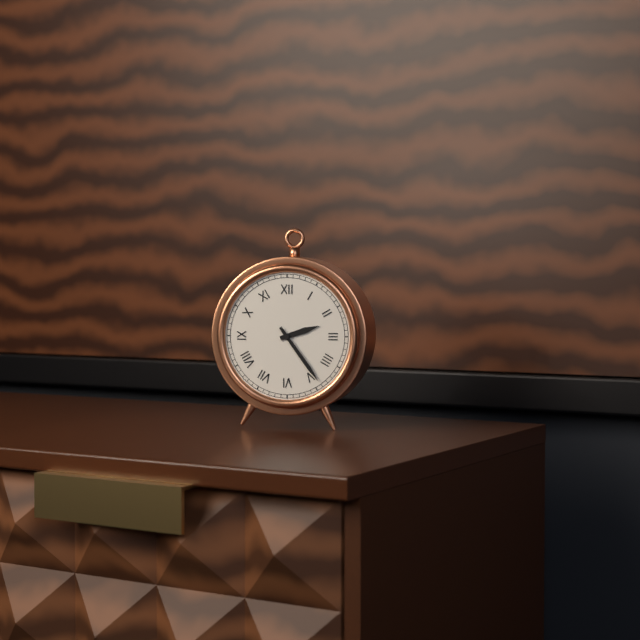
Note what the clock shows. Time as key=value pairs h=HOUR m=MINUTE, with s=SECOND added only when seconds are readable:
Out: h=2 m=24
